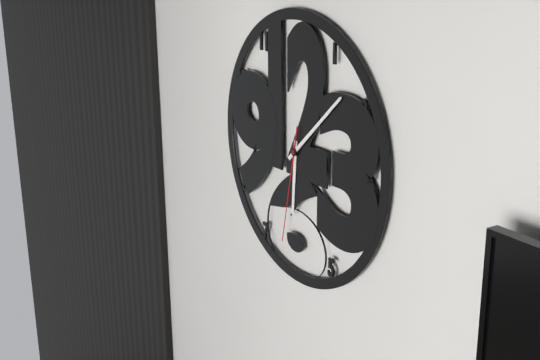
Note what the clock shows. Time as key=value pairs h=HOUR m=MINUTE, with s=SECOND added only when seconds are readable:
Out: h=6 m=8 s=32
